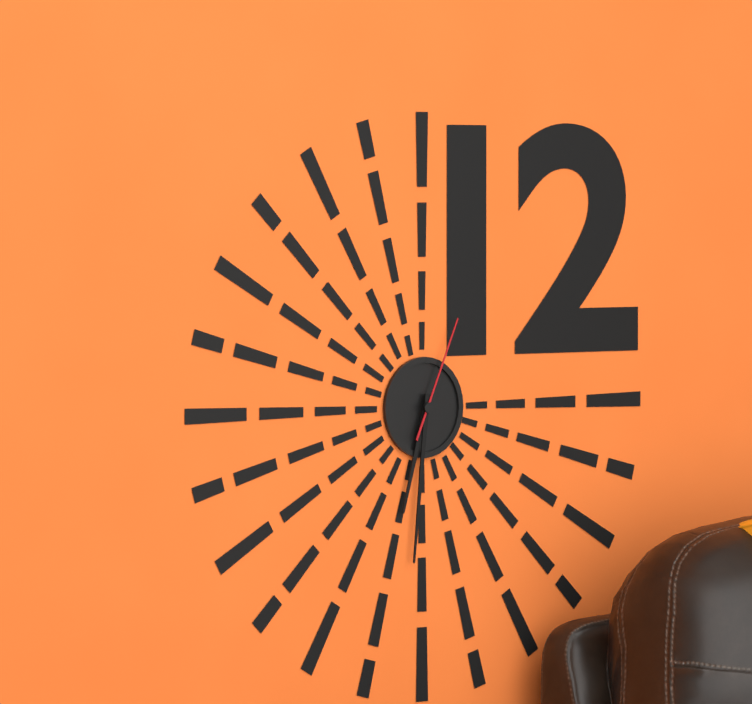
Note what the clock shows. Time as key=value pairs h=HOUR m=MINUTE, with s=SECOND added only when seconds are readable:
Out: h=6 m=31 s=4
